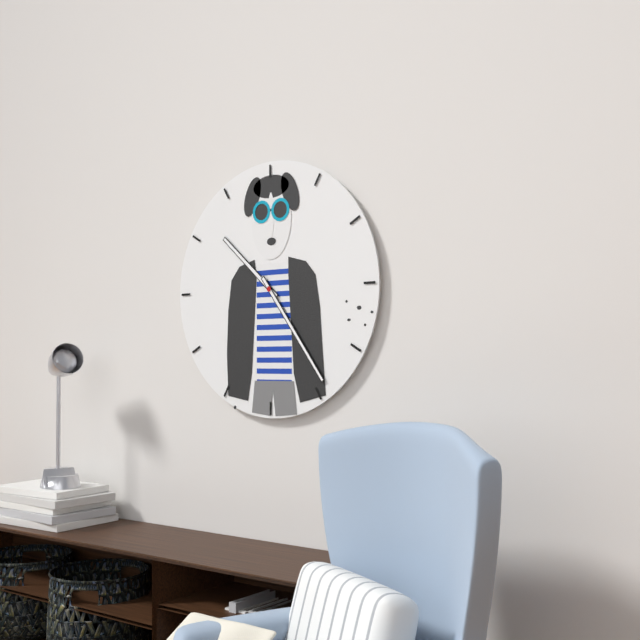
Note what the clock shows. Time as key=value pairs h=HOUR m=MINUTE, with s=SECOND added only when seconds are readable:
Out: h=10 m=24
